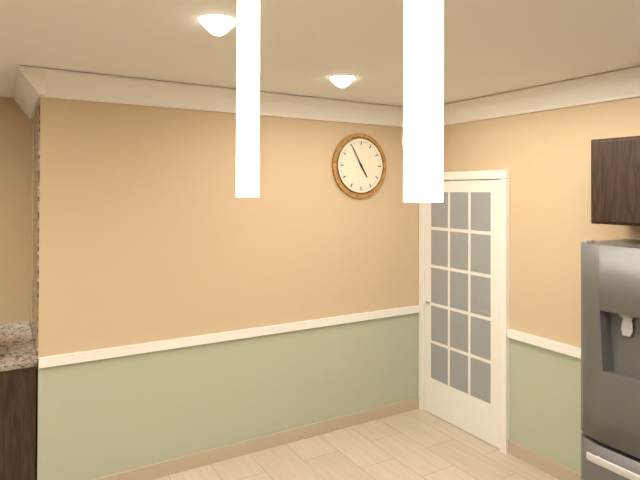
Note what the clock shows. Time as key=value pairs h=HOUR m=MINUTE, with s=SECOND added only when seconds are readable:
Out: h=4 m=55
